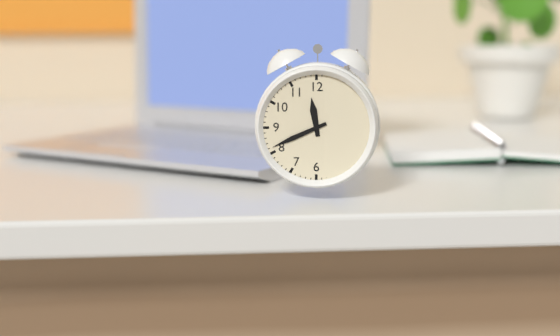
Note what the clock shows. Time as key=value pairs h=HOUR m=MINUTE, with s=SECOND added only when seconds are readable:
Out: h=11 m=41
